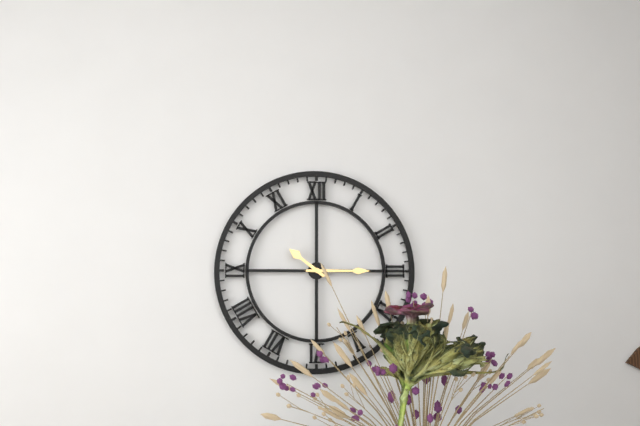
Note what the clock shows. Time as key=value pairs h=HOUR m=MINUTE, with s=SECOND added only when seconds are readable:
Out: h=10 m=15
